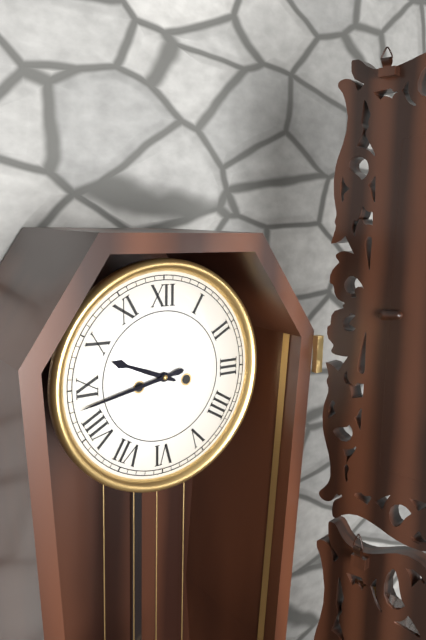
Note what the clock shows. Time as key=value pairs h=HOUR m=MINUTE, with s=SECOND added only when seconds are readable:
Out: h=9 m=43
